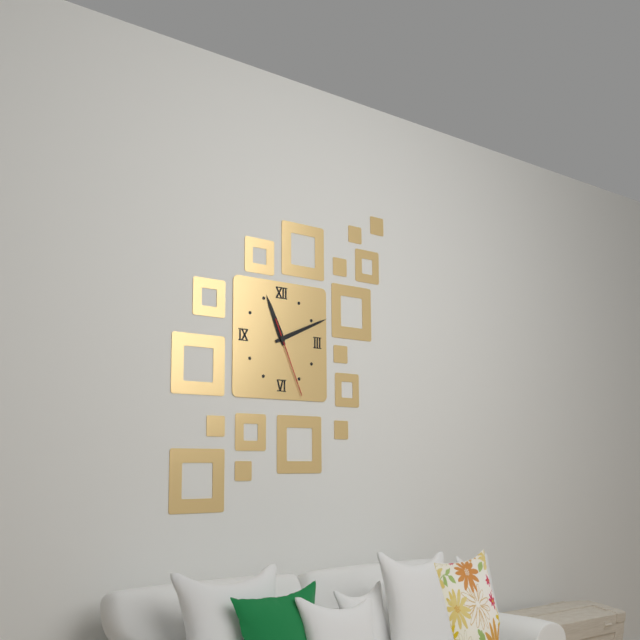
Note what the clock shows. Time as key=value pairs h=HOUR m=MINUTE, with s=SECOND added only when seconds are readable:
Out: h=11 m=11 s=26
